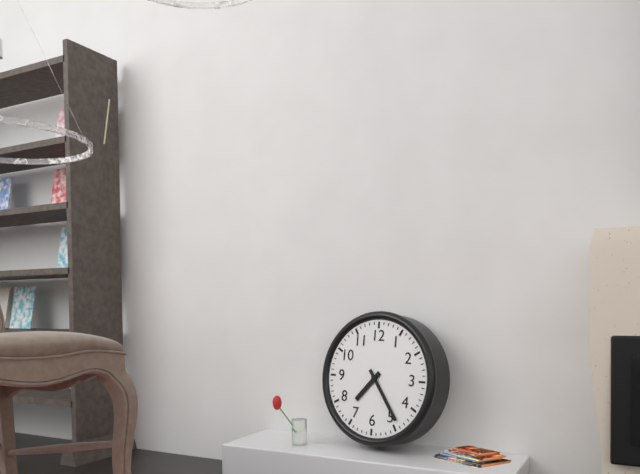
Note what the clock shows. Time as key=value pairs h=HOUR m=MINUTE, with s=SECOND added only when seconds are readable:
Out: h=7 m=24
